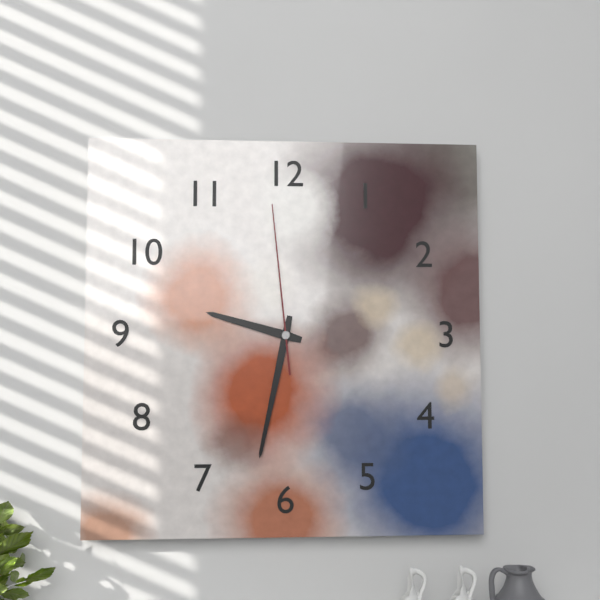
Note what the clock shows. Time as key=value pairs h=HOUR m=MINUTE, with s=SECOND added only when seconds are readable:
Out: h=9 m=32 s=59
